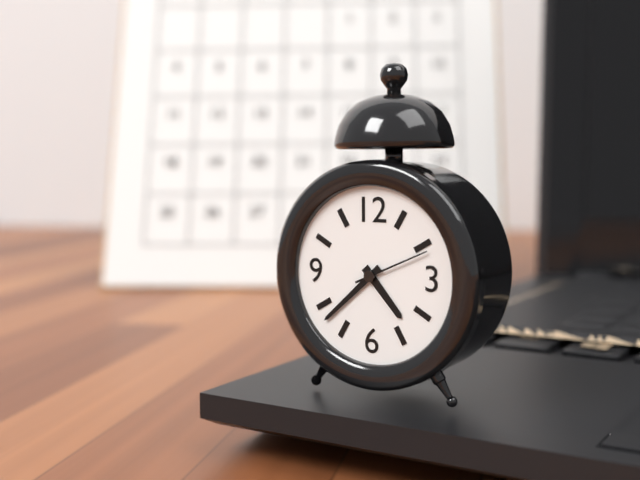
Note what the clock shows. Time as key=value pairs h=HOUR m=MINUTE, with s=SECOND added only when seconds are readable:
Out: h=4 m=38 s=11
